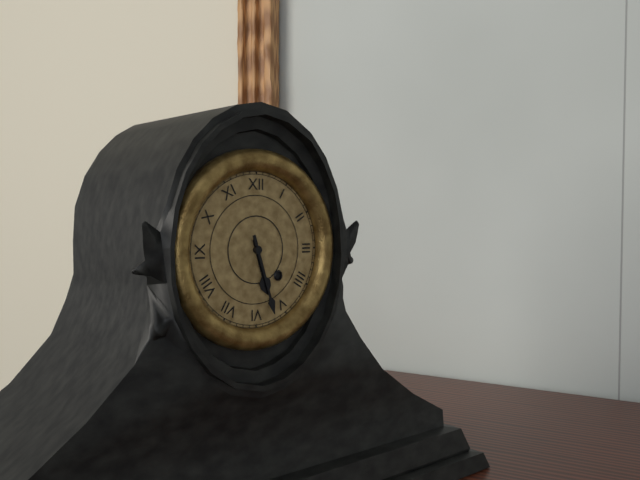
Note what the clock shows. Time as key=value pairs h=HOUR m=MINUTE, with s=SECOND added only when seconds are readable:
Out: h=5 m=27
